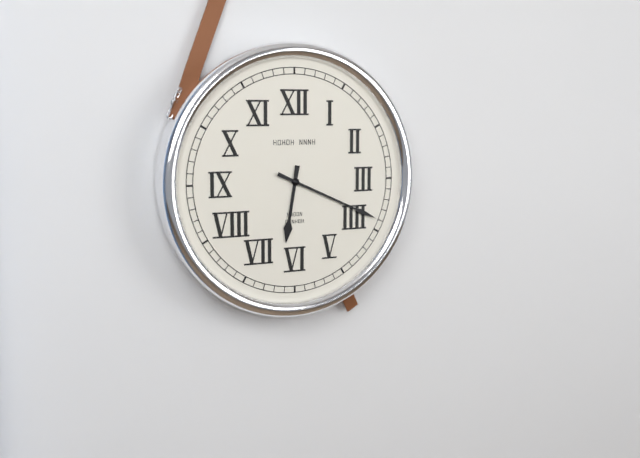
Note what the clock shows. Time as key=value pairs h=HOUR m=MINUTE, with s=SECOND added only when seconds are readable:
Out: h=6 m=19
